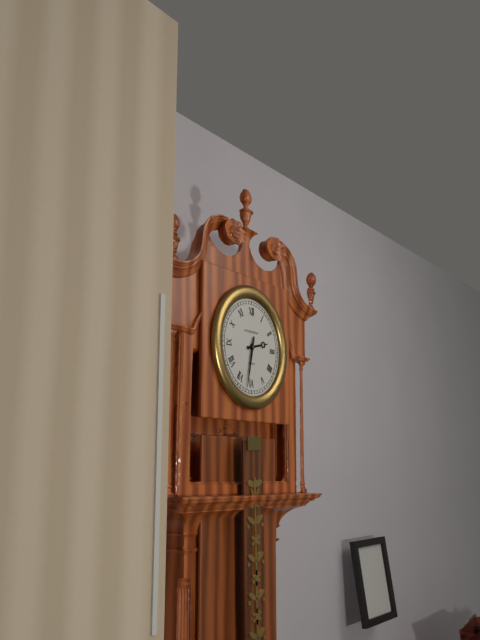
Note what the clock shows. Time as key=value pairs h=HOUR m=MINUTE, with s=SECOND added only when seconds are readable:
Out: h=2 m=32
